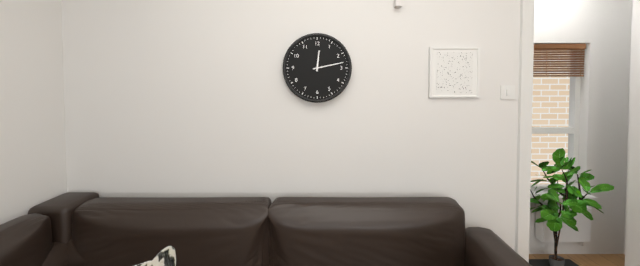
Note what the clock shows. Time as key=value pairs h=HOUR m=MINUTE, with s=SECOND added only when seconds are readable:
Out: h=12 m=13
